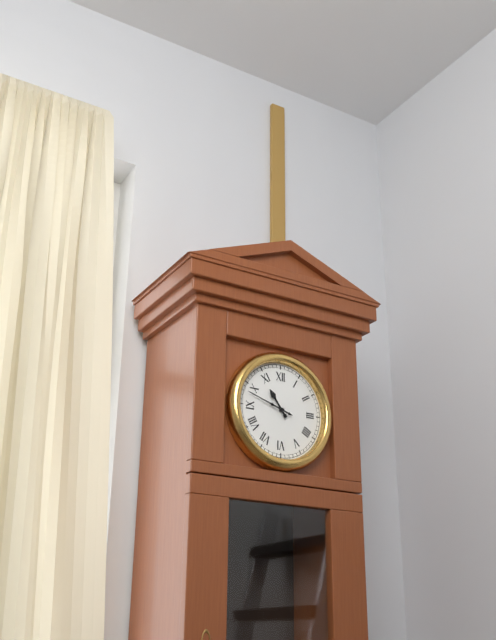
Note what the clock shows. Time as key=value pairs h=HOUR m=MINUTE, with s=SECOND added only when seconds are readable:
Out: h=10 m=48
